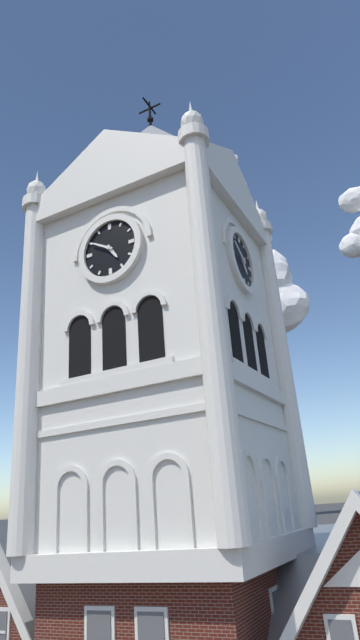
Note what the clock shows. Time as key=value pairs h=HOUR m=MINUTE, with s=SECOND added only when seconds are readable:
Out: h=4 m=50
